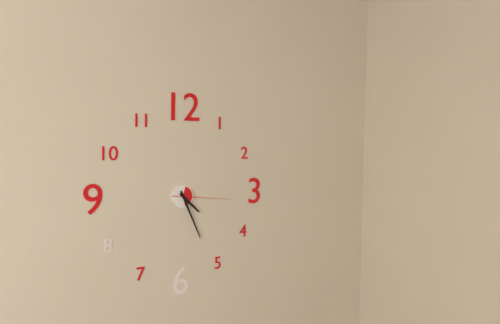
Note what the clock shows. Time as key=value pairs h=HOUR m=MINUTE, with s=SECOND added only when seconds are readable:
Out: h=4 m=26 s=16
